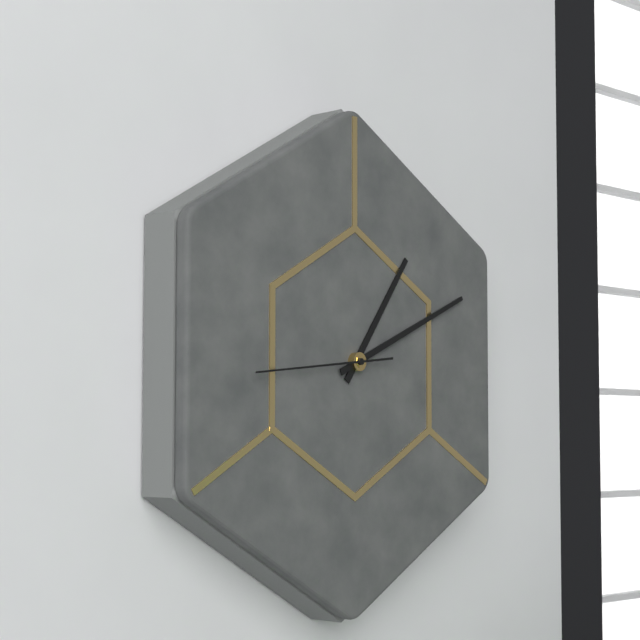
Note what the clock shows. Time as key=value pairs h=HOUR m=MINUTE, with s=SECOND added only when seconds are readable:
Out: h=1 m=11 s=44
